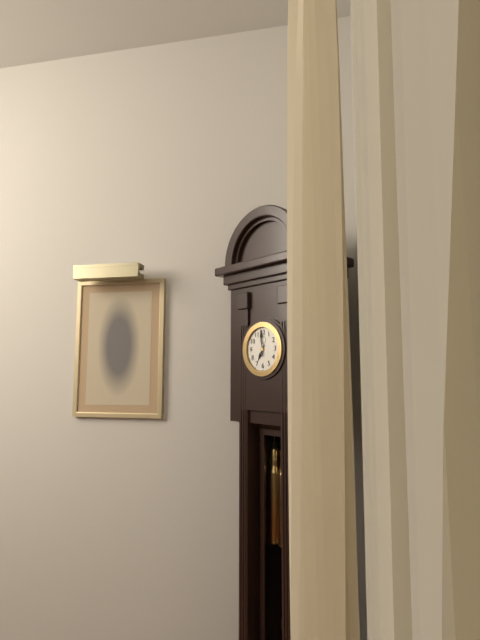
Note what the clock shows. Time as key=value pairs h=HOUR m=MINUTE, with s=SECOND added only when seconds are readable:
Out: h=6 m=59
